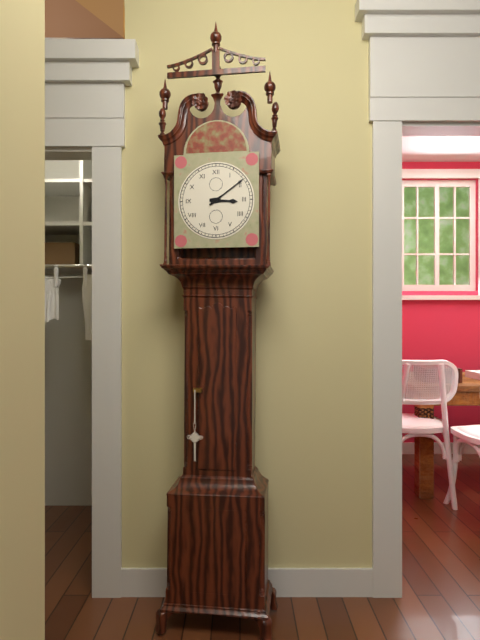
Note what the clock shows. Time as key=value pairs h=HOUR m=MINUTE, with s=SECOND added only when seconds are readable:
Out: h=3 m=9
